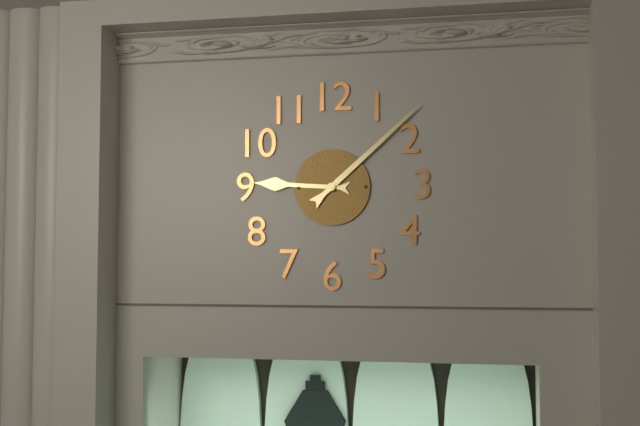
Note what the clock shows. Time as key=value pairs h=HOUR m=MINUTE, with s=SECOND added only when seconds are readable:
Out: h=9 m=8
